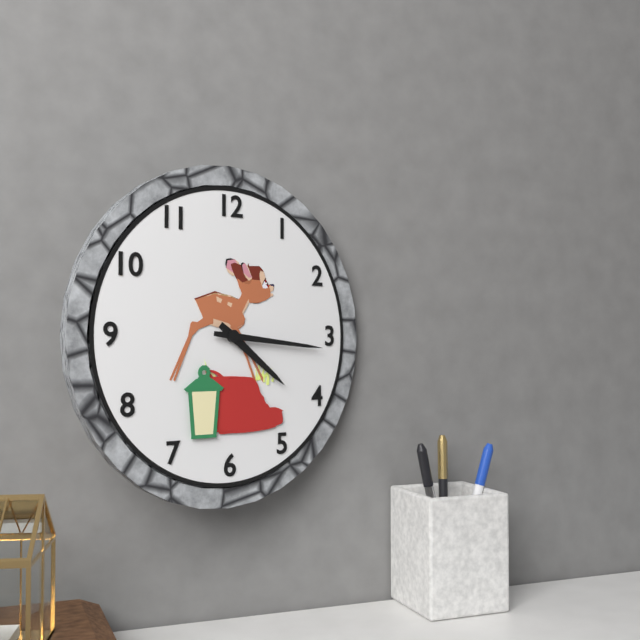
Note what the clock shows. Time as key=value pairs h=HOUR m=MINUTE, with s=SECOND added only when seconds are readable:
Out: h=4 m=16
